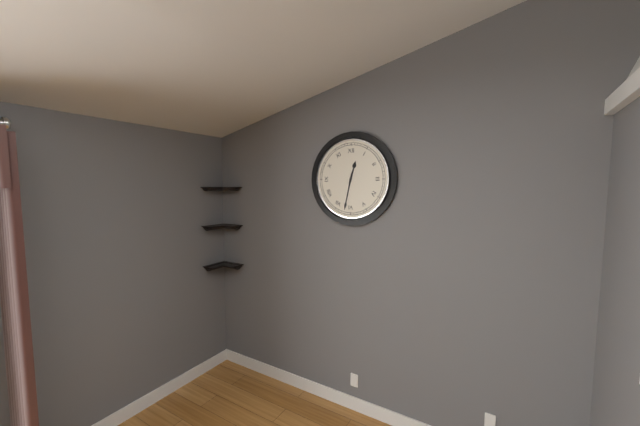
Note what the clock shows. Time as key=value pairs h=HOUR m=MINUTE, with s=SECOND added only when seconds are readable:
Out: h=12 m=32
